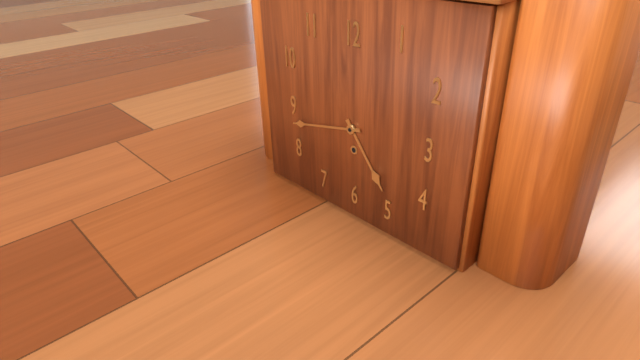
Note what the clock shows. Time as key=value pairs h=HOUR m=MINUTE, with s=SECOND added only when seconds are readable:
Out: h=4 m=43
